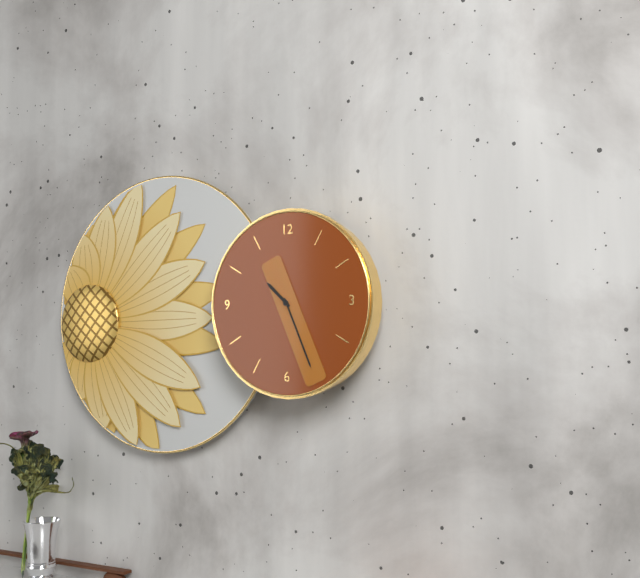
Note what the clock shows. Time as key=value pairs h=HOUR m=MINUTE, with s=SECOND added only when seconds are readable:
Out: h=10 m=26
